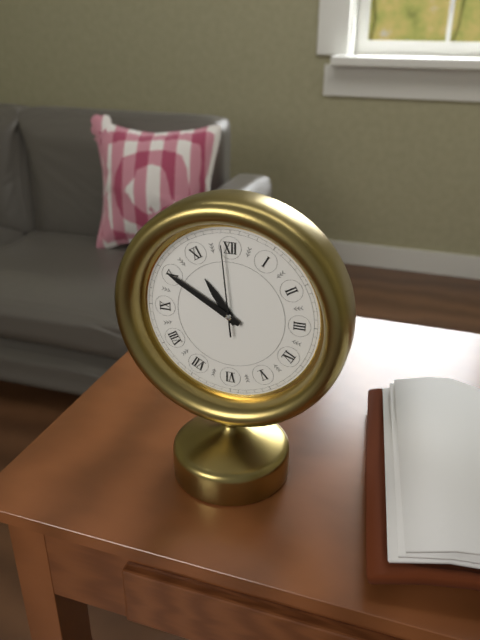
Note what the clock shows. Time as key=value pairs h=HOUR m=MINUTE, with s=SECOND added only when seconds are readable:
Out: h=10 m=50 s=59
